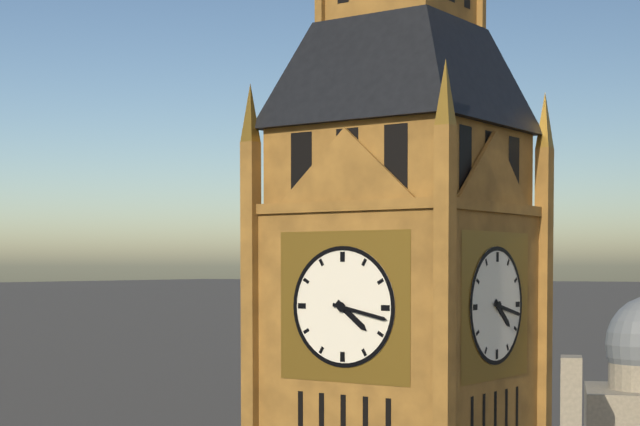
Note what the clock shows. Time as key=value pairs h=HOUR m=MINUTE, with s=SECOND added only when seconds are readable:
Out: h=4 m=17
